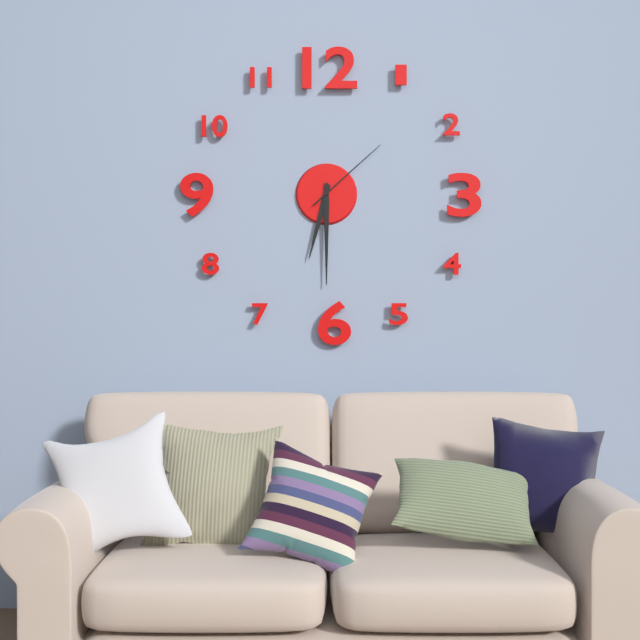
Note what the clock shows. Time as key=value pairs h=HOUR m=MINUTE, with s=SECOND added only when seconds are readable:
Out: h=6 m=30 s=8
